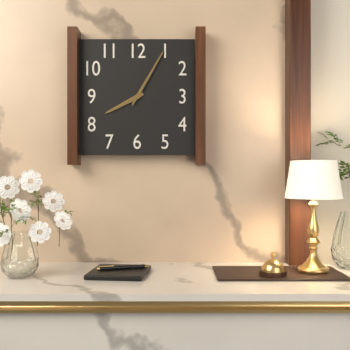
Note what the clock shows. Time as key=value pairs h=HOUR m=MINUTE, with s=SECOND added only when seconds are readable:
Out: h=8 m=5
